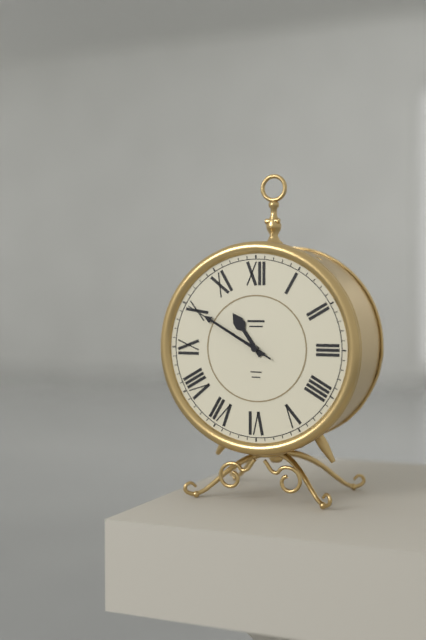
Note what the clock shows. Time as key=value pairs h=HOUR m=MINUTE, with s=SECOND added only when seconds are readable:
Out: h=10 m=50 s=50
